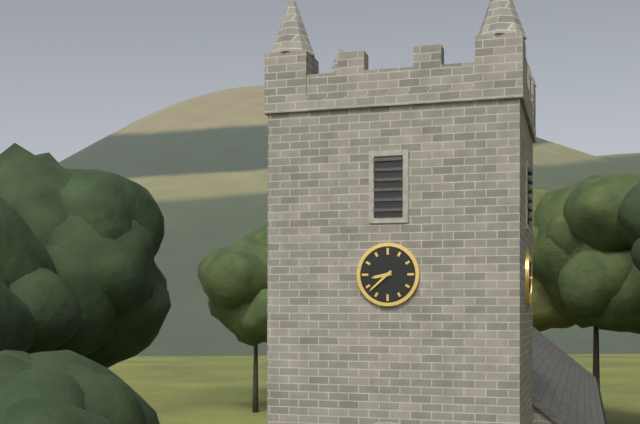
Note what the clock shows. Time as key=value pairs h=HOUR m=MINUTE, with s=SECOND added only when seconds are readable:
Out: h=8 m=38
